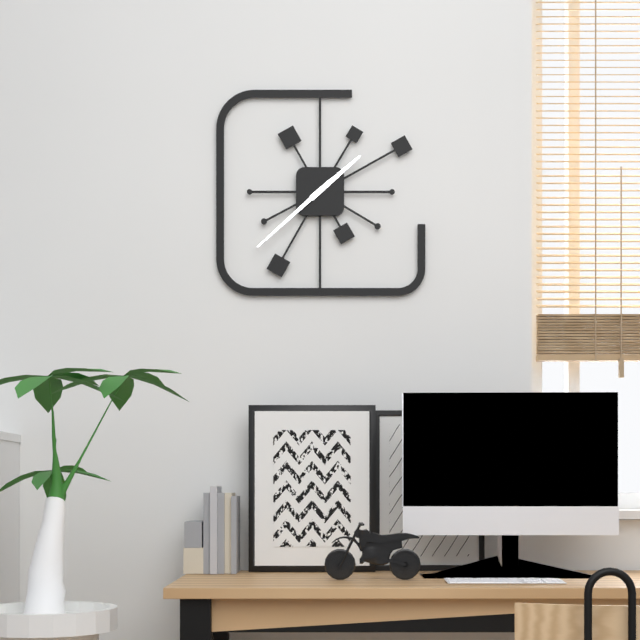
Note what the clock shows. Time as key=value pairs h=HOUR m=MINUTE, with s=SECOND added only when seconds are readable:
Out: h=1 m=38
